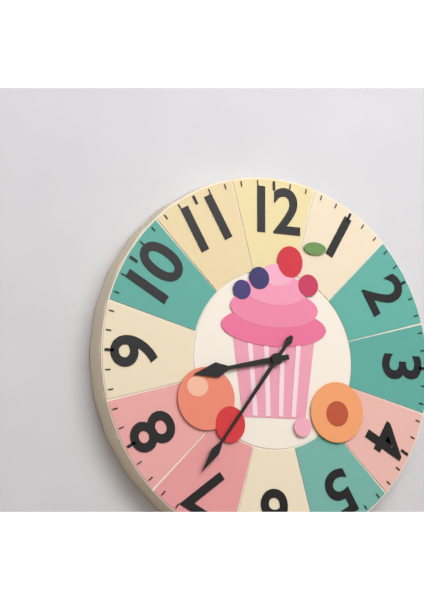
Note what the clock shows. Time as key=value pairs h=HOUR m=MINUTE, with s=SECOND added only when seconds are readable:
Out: h=8 m=36
